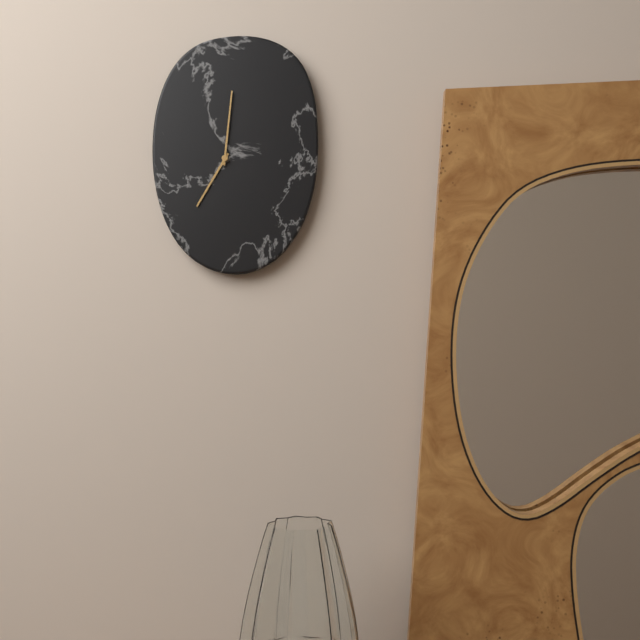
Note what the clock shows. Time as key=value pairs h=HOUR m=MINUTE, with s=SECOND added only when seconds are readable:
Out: h=7 m=1
